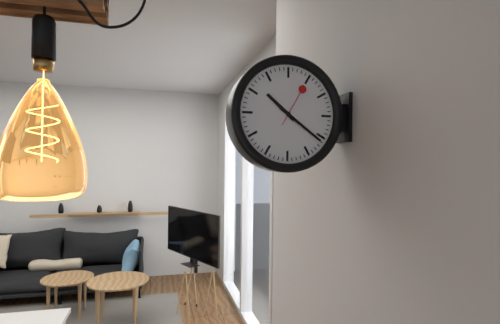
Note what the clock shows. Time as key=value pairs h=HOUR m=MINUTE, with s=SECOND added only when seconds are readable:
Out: h=10 m=21
